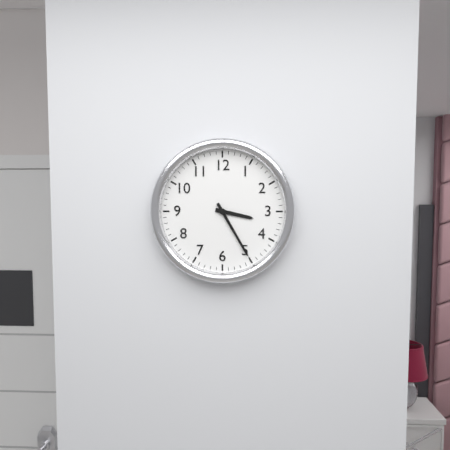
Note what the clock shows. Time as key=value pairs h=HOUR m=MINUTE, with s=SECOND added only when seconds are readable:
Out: h=3 m=25
